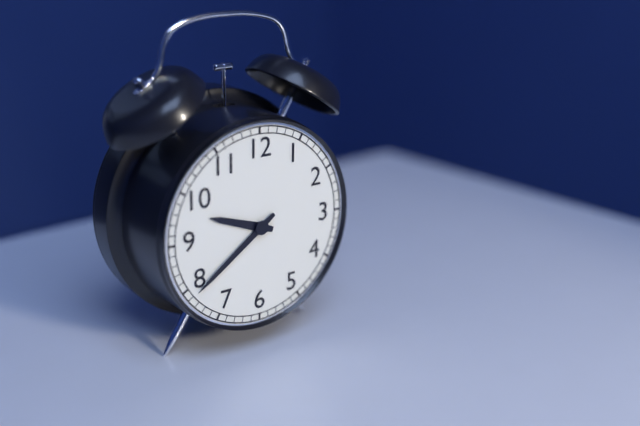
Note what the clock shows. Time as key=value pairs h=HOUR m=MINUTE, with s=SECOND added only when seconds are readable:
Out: h=9 m=39
